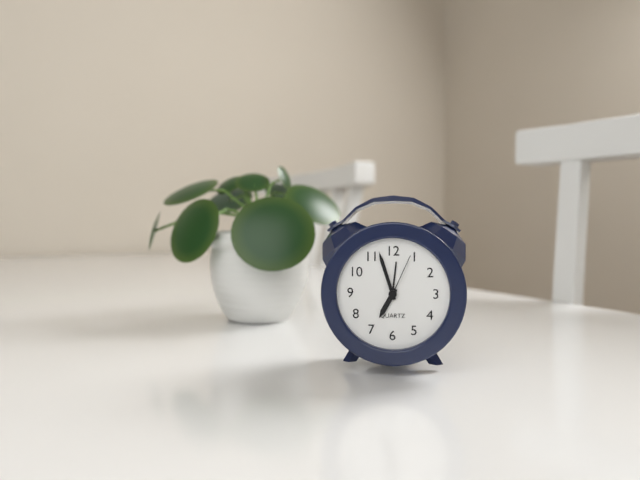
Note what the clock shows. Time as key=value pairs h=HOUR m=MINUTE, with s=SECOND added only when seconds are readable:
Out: h=6 m=57 s=4
